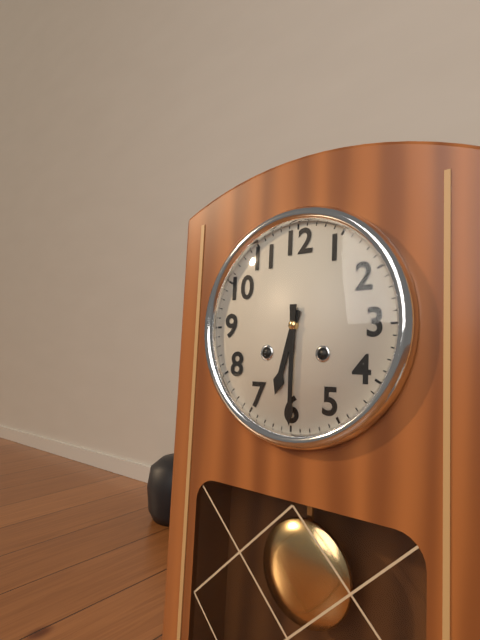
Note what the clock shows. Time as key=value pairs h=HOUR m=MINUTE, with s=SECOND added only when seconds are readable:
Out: h=6 m=30
